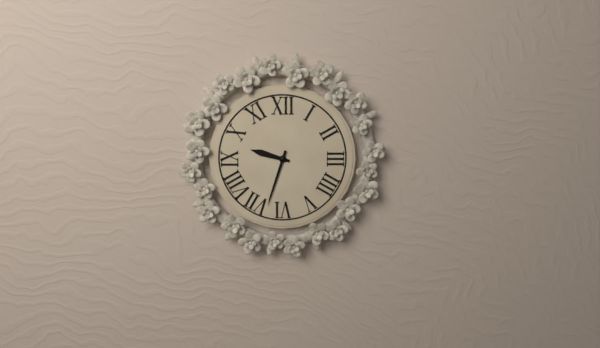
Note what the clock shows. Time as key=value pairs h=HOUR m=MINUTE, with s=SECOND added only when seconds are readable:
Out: h=9 m=33
